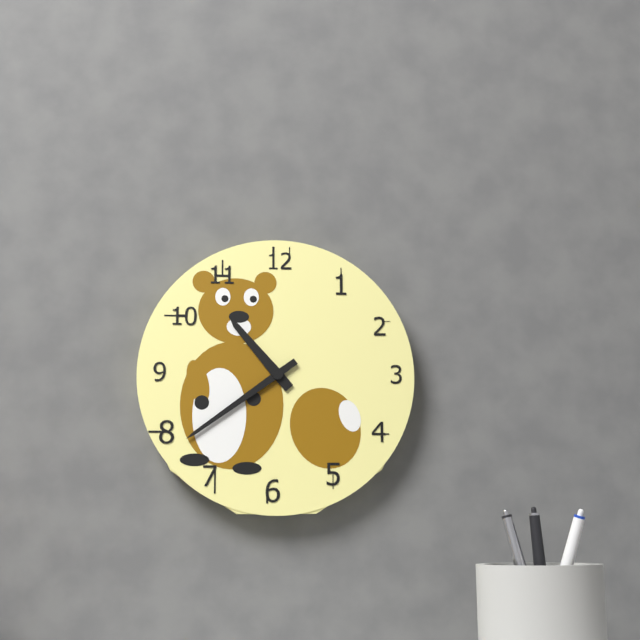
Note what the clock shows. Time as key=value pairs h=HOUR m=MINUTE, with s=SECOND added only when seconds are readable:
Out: h=10 m=39
